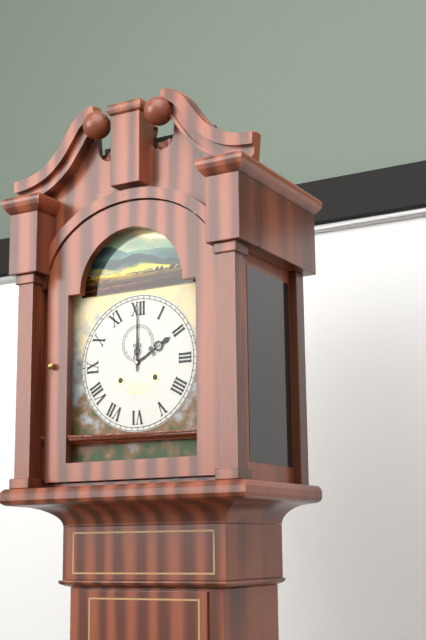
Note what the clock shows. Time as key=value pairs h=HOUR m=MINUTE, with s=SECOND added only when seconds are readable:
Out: h=2 m=0
